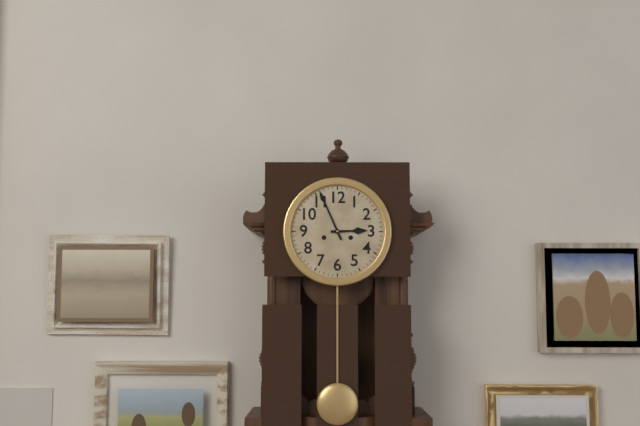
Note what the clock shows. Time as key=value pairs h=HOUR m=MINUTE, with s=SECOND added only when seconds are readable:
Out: h=2 m=56
